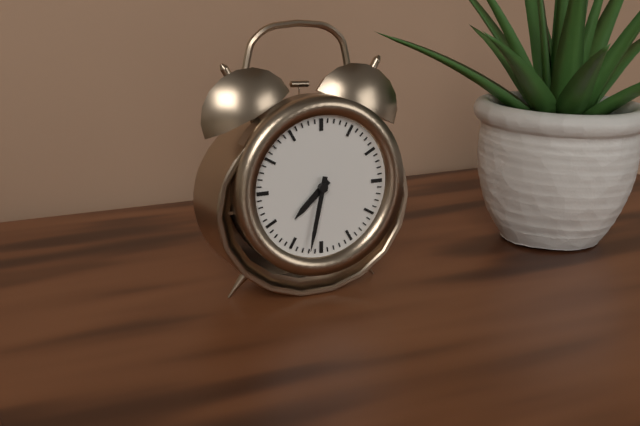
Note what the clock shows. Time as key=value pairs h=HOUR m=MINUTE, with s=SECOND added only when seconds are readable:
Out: h=7 m=32
